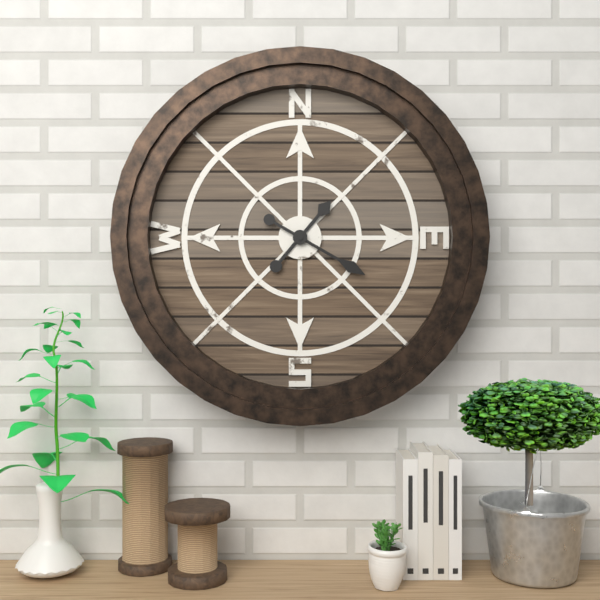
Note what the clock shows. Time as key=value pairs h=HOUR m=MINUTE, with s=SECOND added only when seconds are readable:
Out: h=1 m=20
